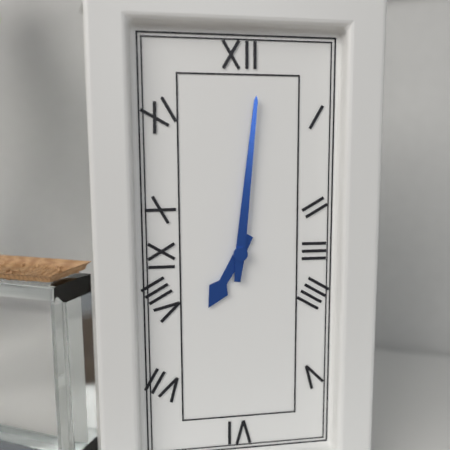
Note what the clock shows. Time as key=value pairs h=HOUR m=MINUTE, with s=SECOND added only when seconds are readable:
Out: h=7 m=1
